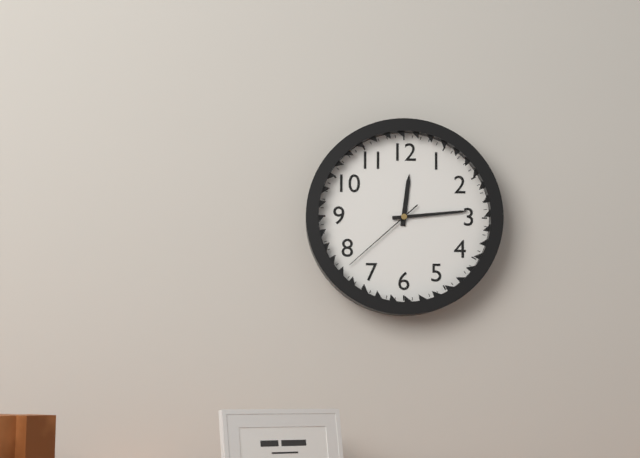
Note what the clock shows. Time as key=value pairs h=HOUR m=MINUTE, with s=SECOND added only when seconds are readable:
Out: h=12 m=14 s=38
